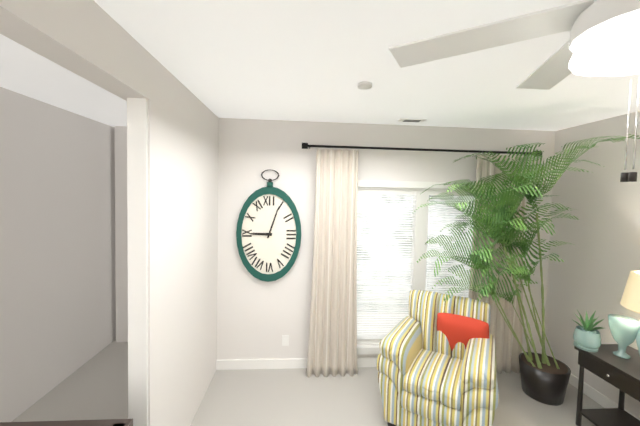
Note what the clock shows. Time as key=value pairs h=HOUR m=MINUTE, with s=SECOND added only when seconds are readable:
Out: h=9 m=3
